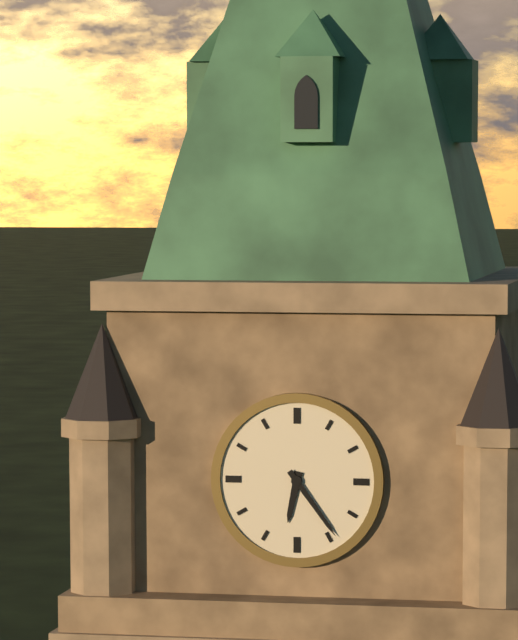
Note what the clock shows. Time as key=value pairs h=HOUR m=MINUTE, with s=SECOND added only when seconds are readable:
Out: h=6 m=24
